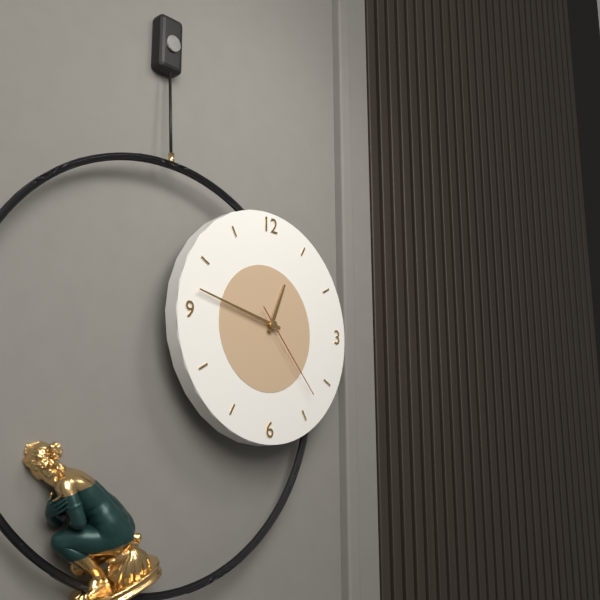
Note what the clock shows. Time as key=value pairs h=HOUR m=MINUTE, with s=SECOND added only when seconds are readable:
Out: h=12 m=47 s=23
